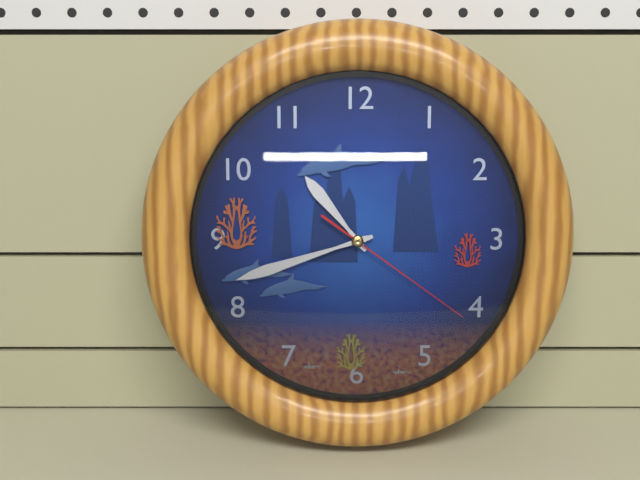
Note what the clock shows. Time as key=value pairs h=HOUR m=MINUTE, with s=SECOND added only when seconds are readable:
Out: h=10 m=42 s=21
